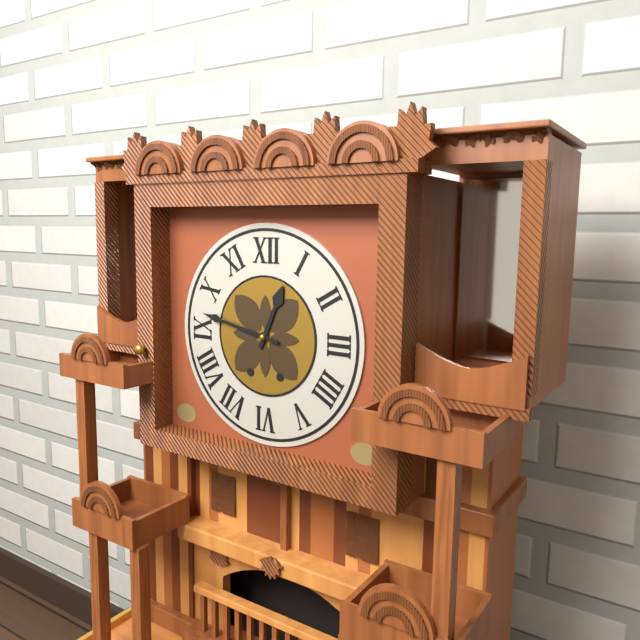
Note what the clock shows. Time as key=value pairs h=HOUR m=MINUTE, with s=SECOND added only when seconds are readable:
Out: h=12 m=47
